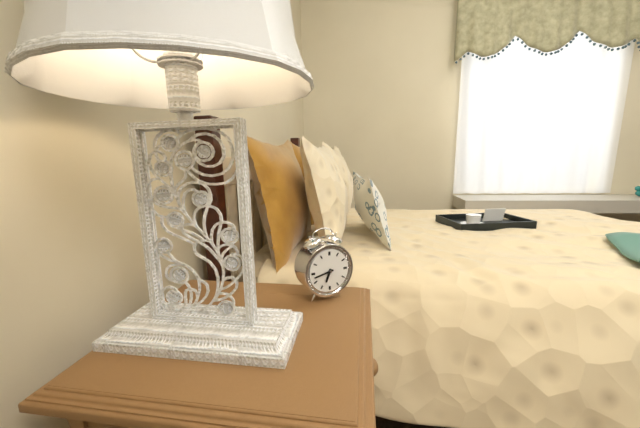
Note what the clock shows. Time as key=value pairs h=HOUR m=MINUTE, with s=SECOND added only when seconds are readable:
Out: h=6 m=43
